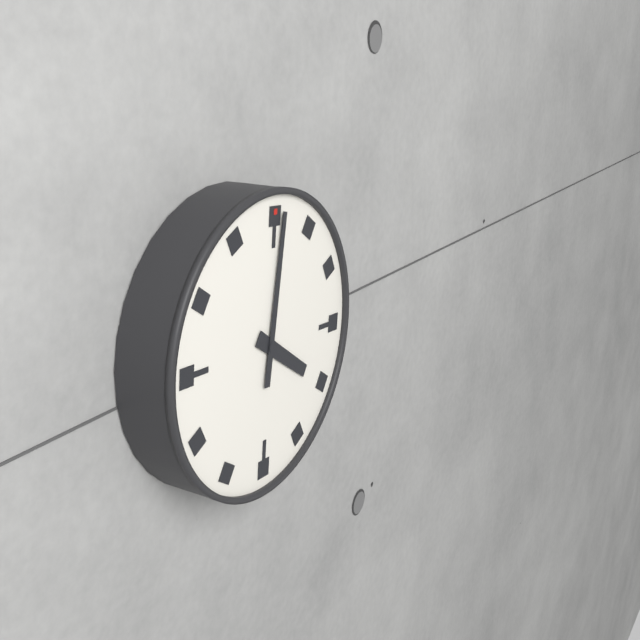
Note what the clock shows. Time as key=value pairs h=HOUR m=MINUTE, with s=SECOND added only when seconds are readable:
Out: h=4 m=1
